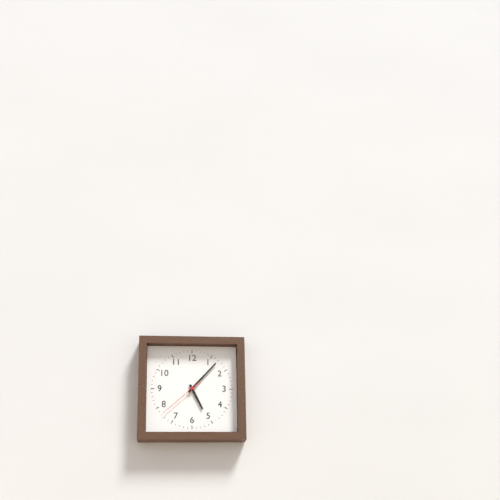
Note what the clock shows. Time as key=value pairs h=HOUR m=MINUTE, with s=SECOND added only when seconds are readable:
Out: h=5 m=7
